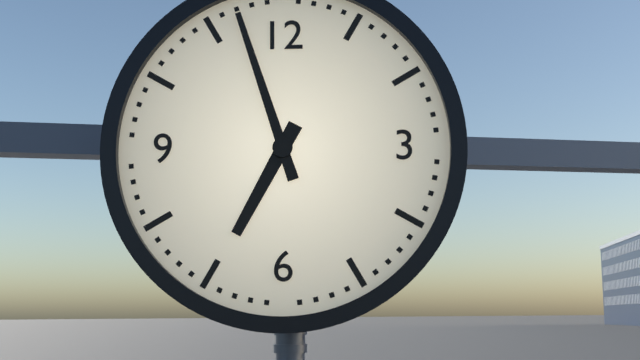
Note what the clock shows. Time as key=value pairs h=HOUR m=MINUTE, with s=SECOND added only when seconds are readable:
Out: h=6 m=57
